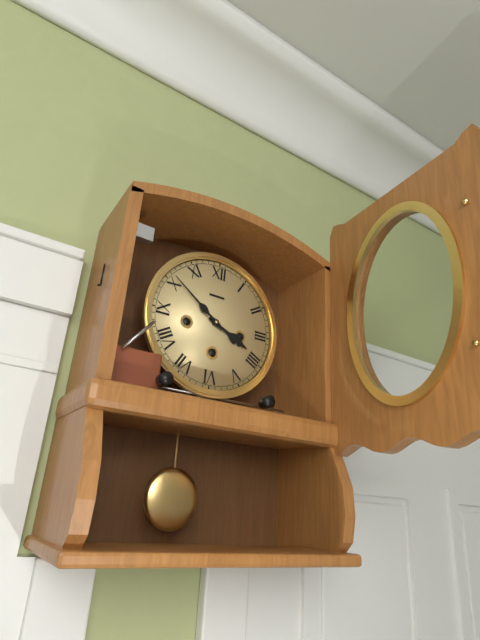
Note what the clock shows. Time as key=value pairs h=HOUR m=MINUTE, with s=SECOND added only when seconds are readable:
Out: h=3 m=51
